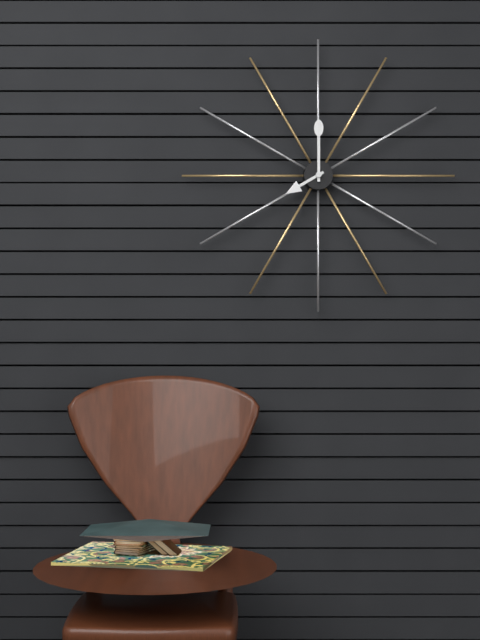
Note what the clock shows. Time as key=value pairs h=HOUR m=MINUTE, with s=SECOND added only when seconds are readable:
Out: h=8 m=0
